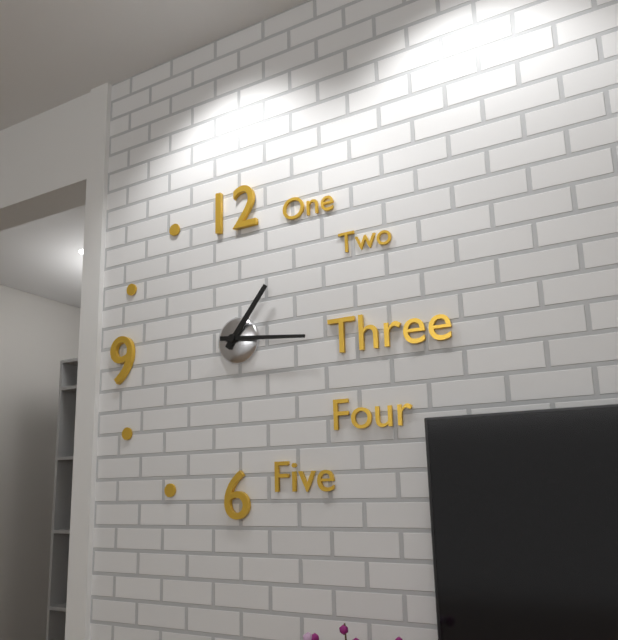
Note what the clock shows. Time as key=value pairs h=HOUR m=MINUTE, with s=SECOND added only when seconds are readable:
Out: h=1 m=16
